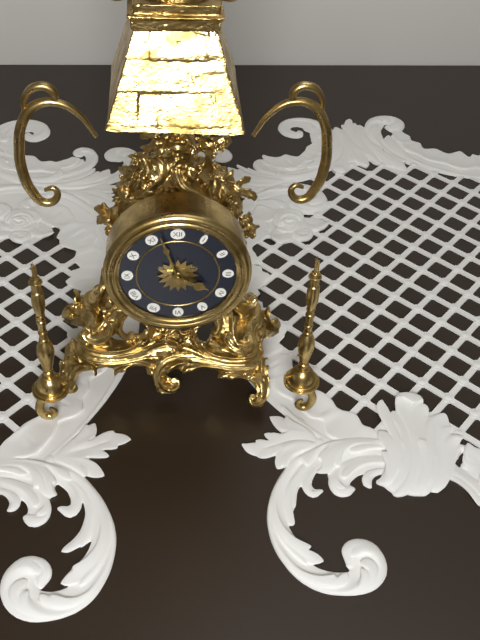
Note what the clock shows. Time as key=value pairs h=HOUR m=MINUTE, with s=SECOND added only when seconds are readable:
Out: h=3 m=57
